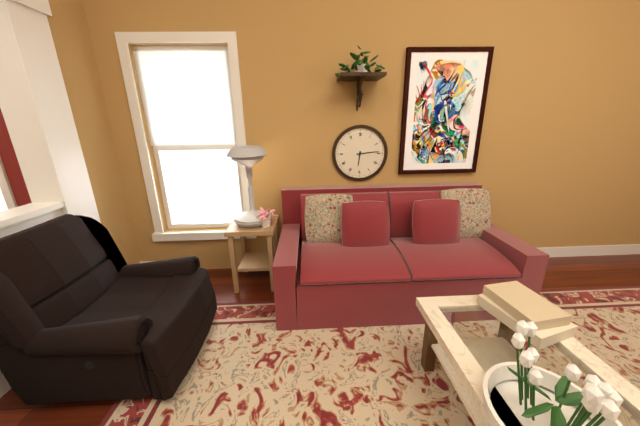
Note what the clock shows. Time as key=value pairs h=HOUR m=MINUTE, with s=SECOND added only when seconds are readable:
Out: h=6 m=14
